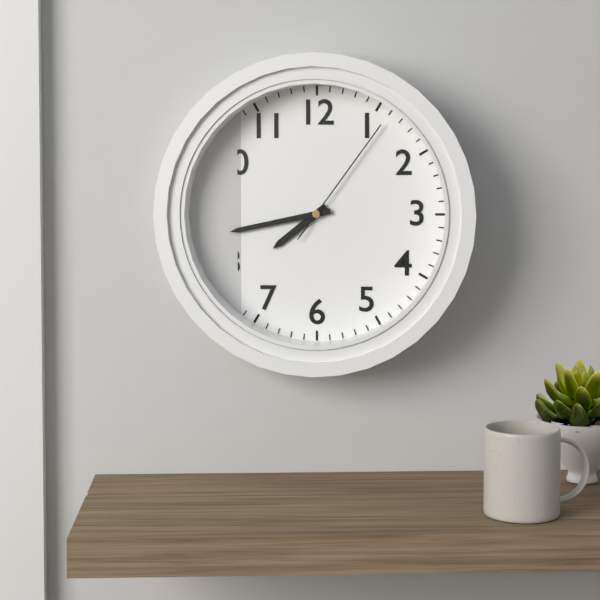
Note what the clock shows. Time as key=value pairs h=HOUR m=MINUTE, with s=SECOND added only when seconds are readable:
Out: h=7 m=43 s=6
